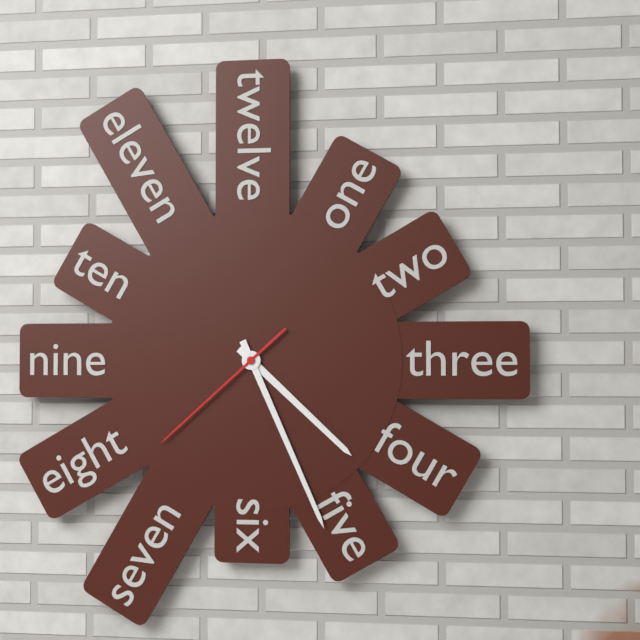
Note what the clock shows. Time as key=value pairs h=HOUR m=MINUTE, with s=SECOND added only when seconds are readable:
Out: h=4 m=26 s=38
